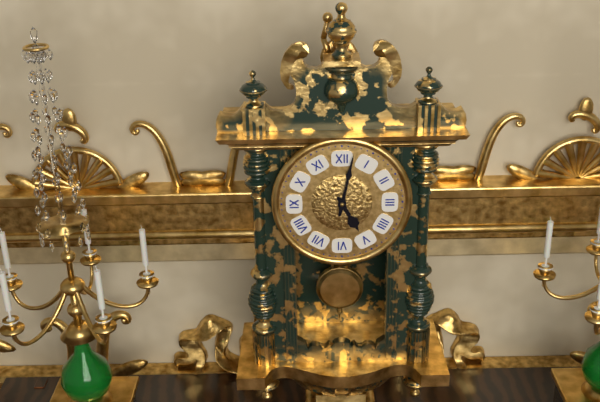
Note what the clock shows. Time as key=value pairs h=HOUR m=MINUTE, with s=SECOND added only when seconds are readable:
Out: h=5 m=2
